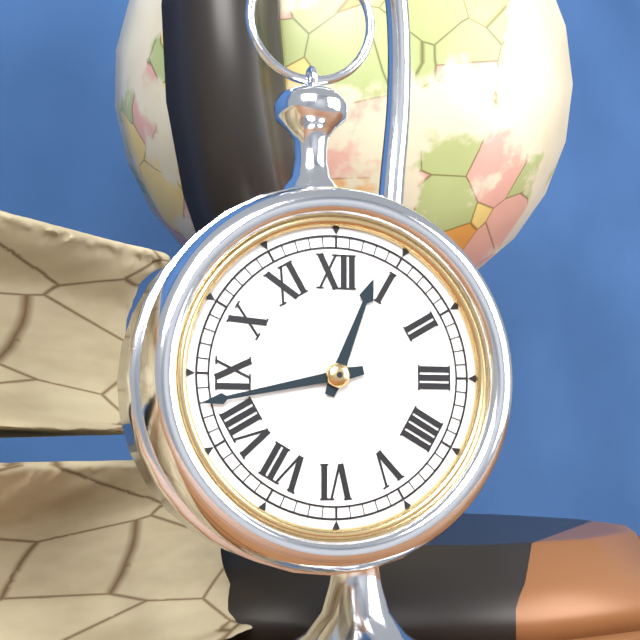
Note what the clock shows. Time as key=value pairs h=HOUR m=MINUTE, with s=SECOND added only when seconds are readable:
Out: h=12 m=43
